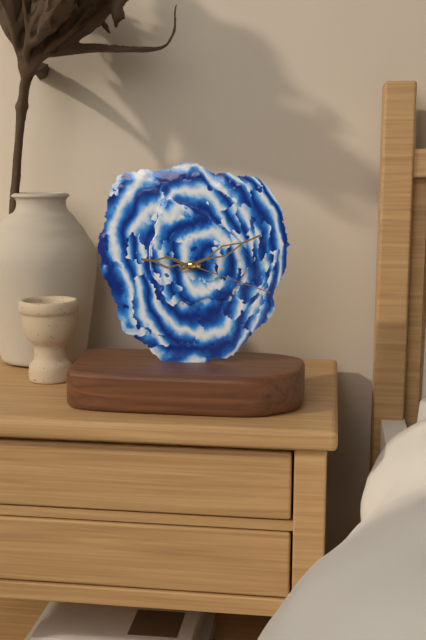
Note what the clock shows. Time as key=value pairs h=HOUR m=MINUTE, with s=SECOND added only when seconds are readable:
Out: h=9 m=11 s=18
